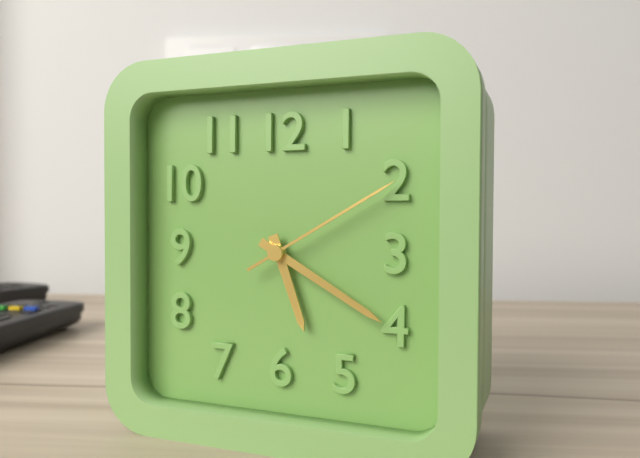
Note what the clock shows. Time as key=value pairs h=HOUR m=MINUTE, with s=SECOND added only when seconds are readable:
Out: h=5 m=20 s=10
